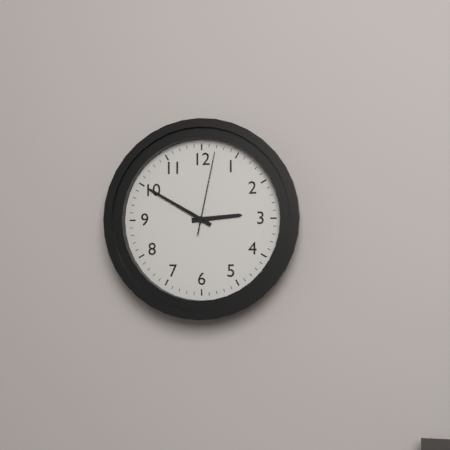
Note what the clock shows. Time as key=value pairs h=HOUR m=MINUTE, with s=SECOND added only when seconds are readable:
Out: h=2 m=50 s=2
